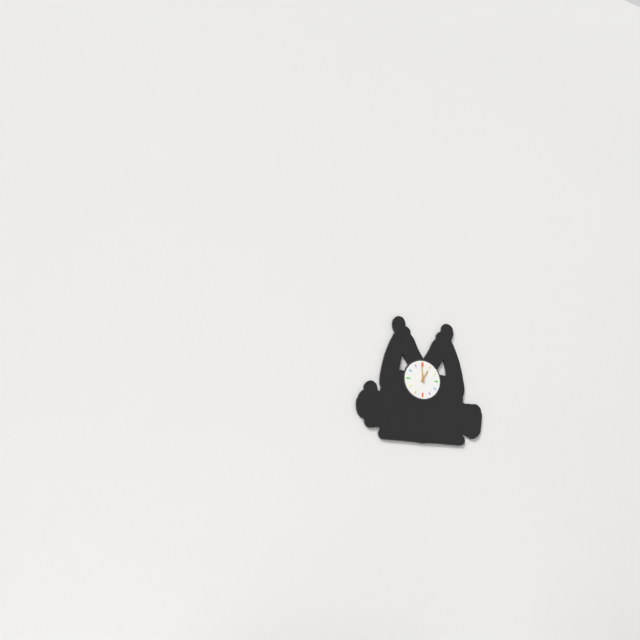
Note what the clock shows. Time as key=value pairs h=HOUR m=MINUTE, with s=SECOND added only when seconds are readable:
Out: h=12 m=59
